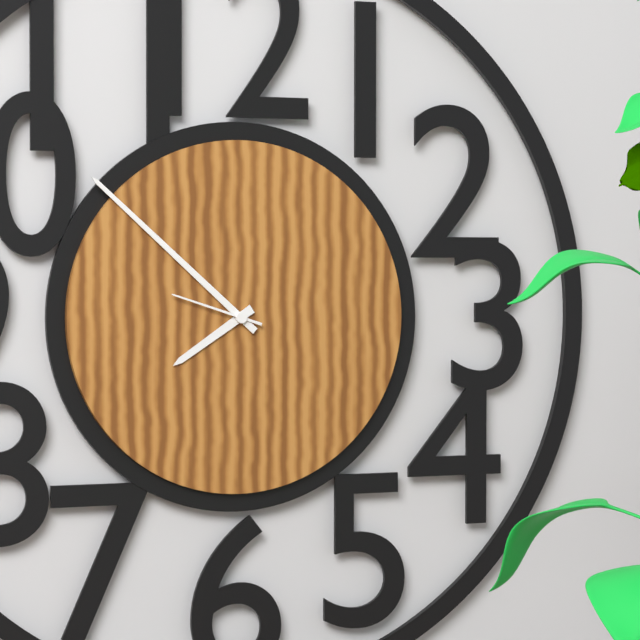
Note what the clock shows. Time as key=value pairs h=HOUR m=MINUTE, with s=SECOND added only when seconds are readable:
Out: h=7 m=52 s=48
